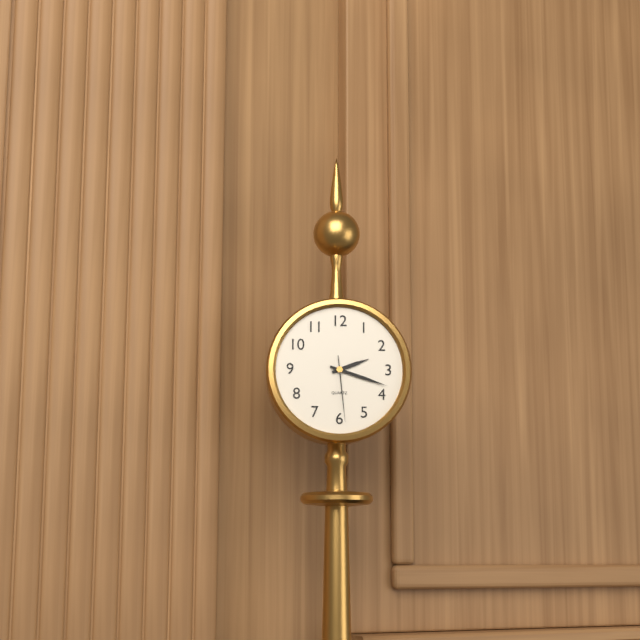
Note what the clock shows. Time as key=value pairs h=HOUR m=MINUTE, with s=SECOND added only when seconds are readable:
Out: h=2 m=18 s=29
